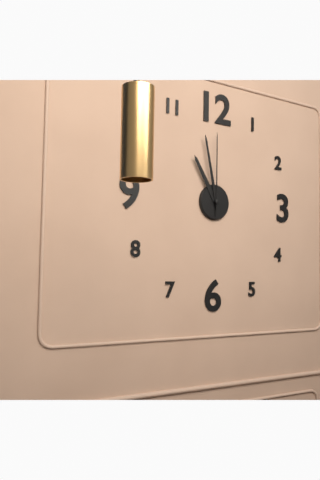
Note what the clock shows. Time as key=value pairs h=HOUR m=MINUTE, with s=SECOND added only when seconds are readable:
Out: h=10 m=58 s=0
